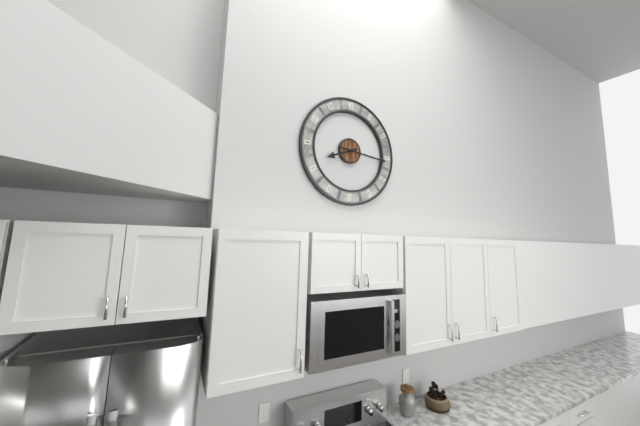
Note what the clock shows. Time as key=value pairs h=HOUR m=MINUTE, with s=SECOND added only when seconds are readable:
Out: h=8 m=16
